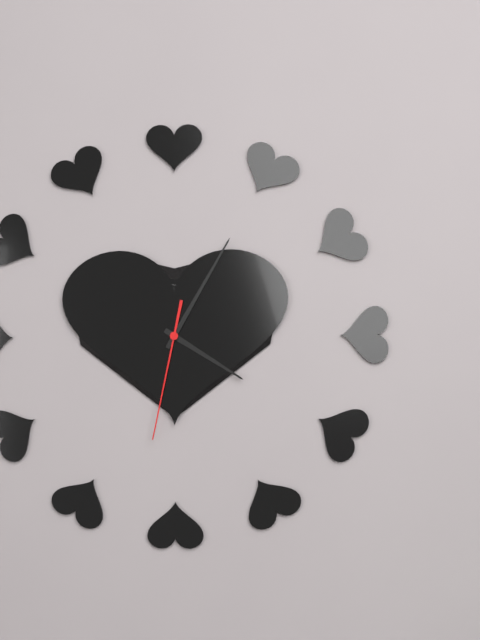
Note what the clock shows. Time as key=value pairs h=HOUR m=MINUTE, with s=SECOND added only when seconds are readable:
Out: h=4 m=5 s=32
